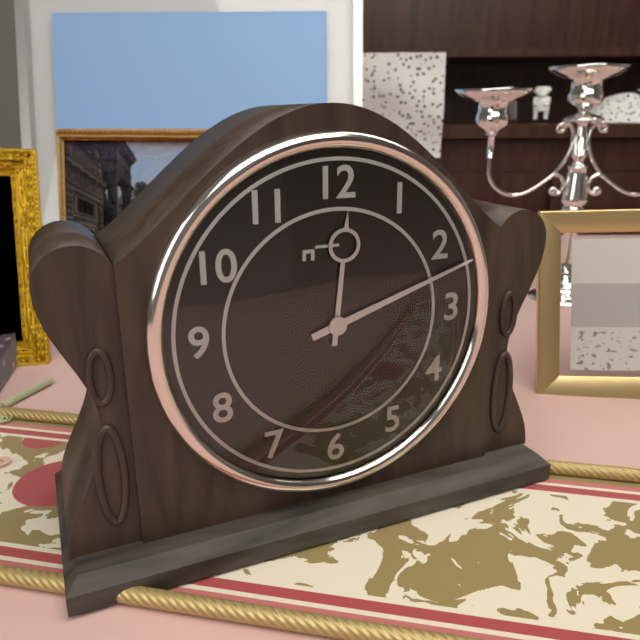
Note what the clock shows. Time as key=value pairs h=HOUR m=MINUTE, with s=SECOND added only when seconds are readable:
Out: h=12 m=12
